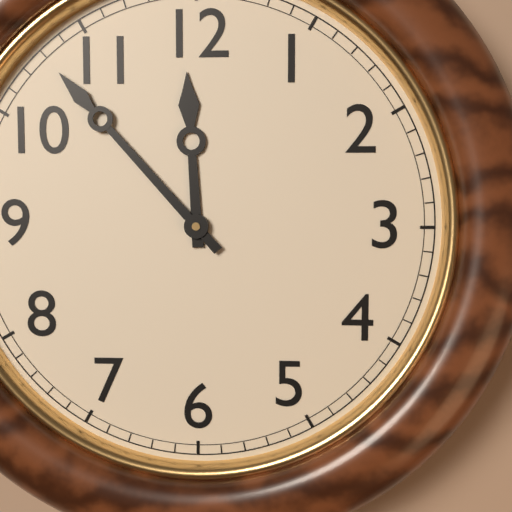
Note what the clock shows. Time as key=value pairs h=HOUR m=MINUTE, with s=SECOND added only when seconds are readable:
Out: h=11 m=53
